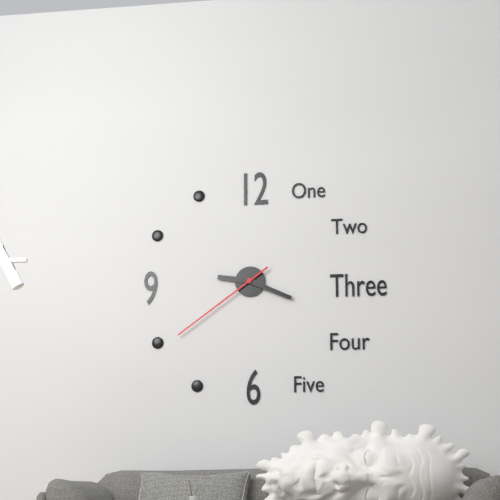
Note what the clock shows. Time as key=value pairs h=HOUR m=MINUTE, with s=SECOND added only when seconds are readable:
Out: h=9 m=19 s=39
